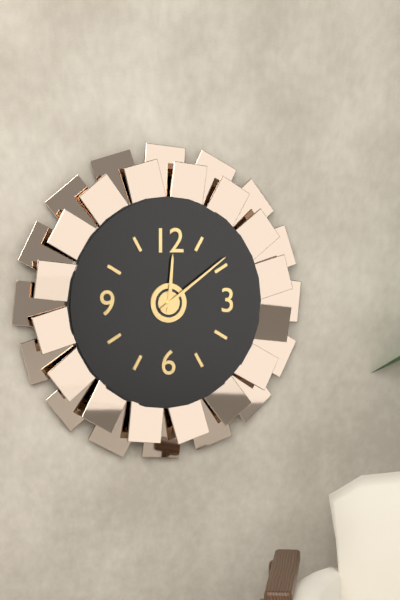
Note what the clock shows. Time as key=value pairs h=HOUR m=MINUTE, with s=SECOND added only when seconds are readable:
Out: h=12 m=9
